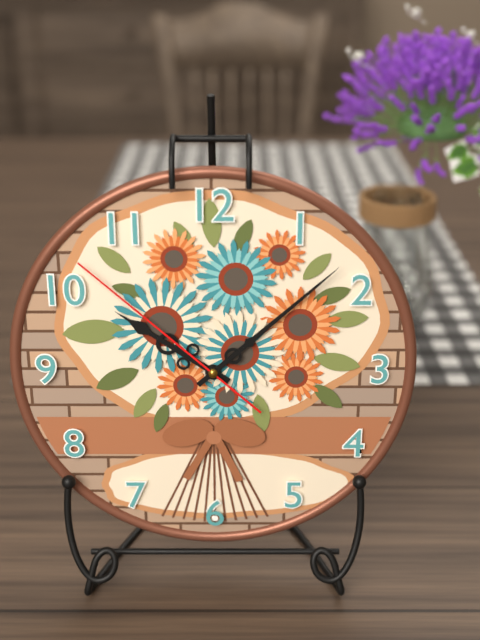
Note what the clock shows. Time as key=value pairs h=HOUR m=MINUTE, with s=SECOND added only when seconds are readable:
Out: h=10 m=8 s=52
